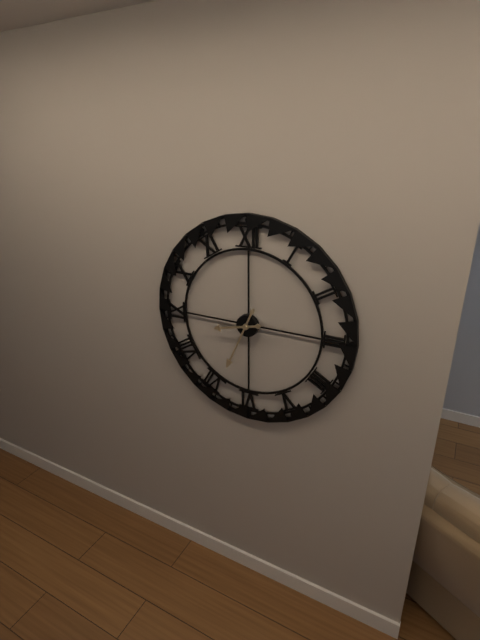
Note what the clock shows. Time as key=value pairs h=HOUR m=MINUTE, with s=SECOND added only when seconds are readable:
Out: h=8 m=34
